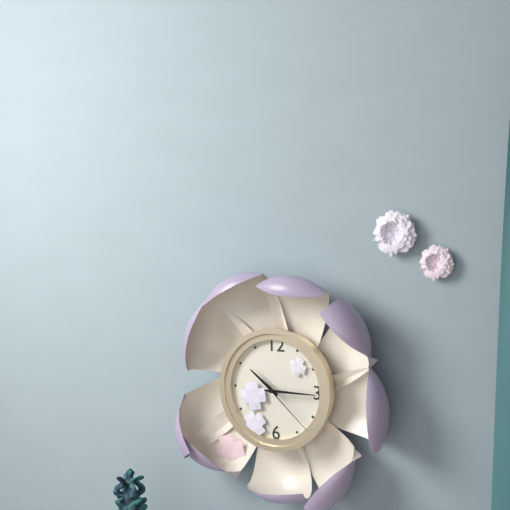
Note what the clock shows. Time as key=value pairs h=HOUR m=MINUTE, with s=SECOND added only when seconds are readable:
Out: h=10 m=15 s=22
